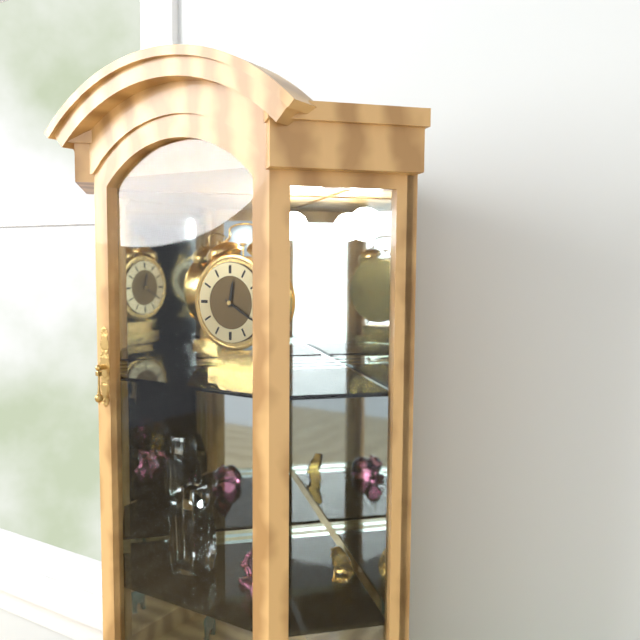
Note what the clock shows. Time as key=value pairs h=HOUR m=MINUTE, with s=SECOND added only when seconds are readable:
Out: h=12 m=20
